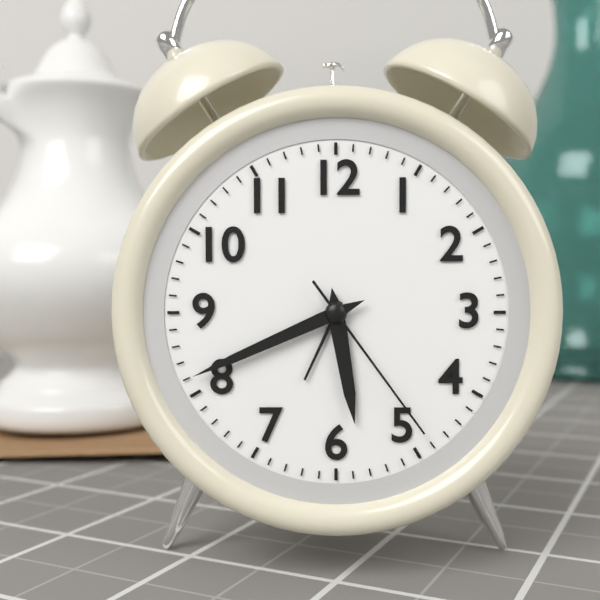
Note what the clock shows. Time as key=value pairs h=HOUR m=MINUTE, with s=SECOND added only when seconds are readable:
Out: h=5 m=41 s=24
